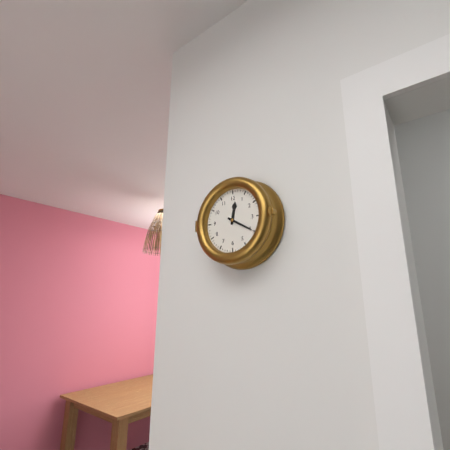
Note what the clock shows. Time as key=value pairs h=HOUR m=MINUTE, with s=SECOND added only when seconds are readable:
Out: h=12 m=20
